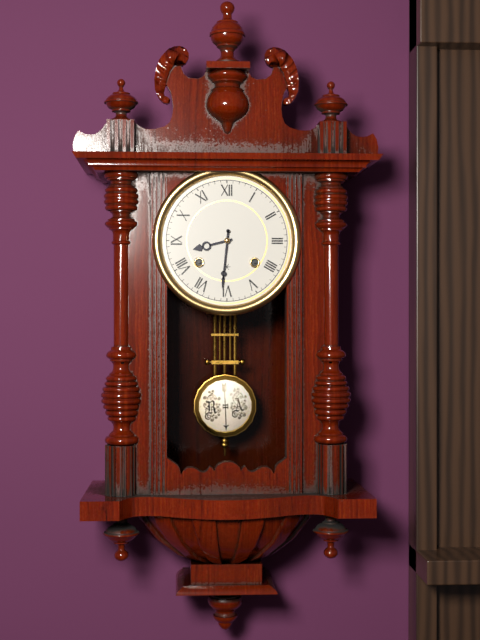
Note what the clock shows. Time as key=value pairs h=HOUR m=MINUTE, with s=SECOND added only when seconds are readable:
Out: h=8 m=31
